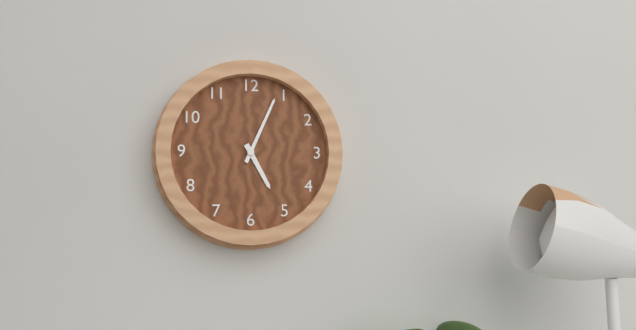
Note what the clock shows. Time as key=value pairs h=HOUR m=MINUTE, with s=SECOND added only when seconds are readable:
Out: h=5 m=4
